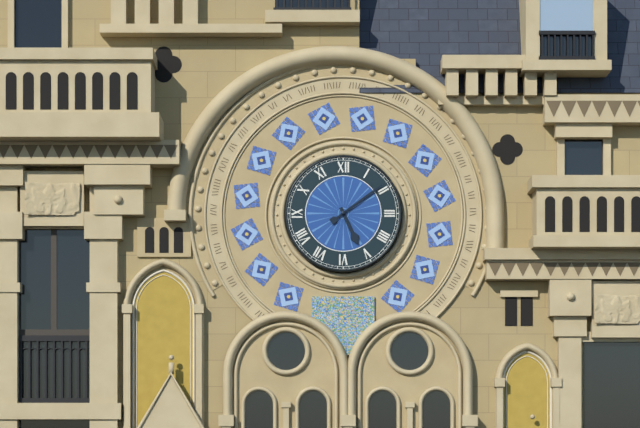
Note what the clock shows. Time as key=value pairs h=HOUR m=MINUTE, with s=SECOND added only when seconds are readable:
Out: h=5 m=9
